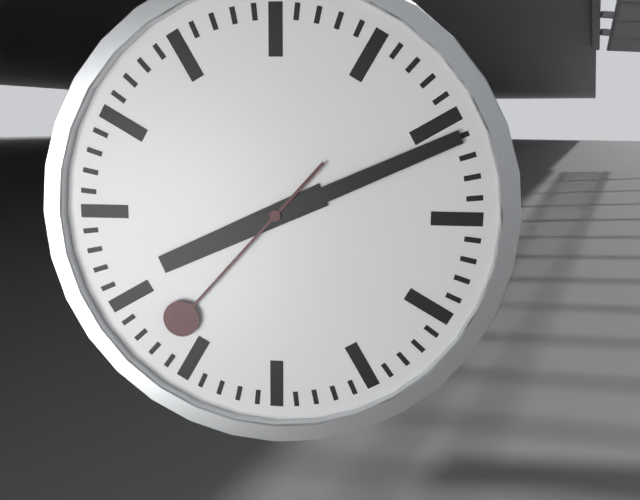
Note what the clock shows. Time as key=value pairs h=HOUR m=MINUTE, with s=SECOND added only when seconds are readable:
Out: h=8 m=11 s=37
